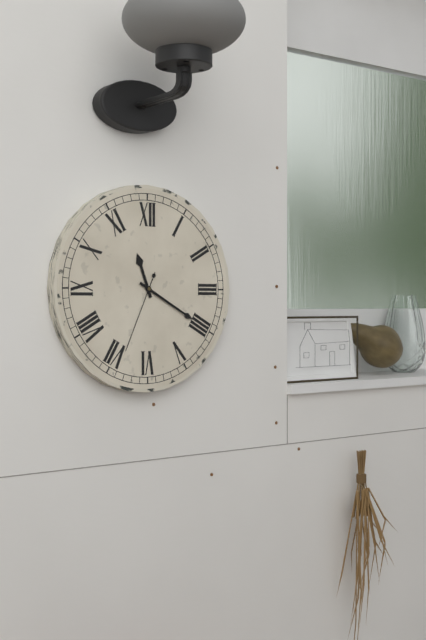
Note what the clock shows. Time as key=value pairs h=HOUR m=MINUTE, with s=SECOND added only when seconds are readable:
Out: h=11 m=20 s=34
